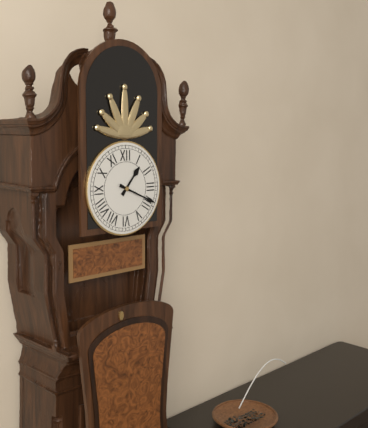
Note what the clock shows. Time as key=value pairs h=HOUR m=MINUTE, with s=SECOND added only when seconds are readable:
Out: h=1 m=19
